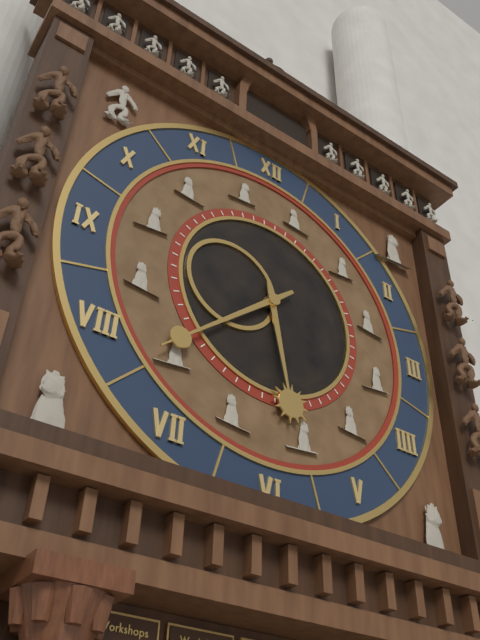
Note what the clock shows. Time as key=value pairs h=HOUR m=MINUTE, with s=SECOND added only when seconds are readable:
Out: h=5 m=38
